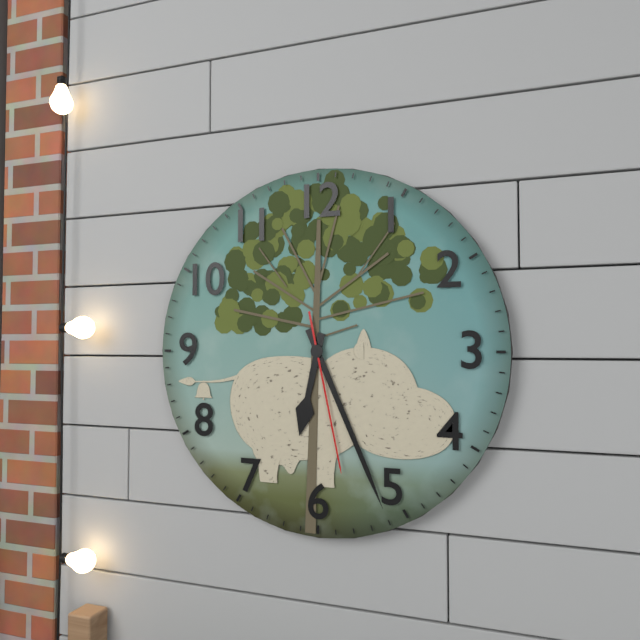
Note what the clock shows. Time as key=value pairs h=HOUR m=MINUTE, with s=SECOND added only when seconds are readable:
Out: h=6 m=26 s=28
